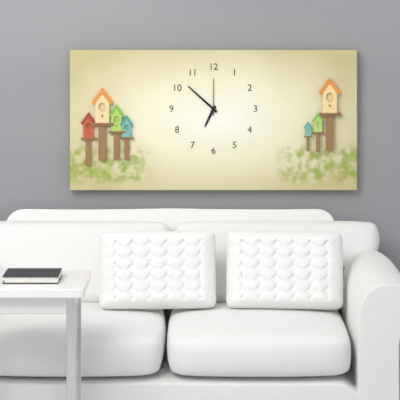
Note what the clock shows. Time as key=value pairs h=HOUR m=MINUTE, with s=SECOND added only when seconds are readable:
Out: h=6 m=52
